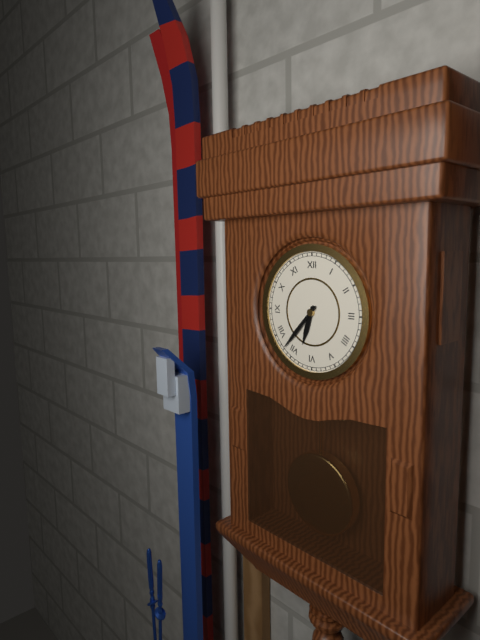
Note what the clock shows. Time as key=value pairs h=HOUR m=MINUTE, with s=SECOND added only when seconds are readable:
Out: h=6 m=37
